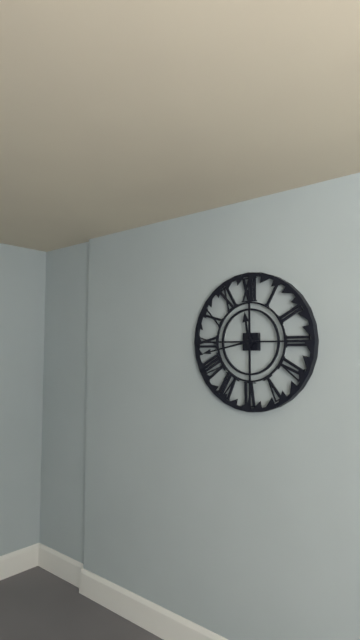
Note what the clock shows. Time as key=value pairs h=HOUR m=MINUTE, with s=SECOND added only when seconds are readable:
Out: h=11 m=43
